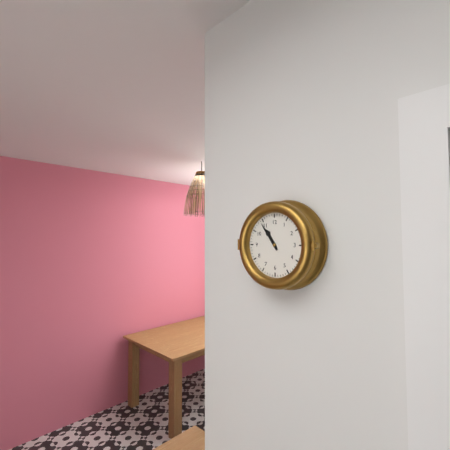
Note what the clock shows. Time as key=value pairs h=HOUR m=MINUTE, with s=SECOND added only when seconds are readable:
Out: h=10 m=54
